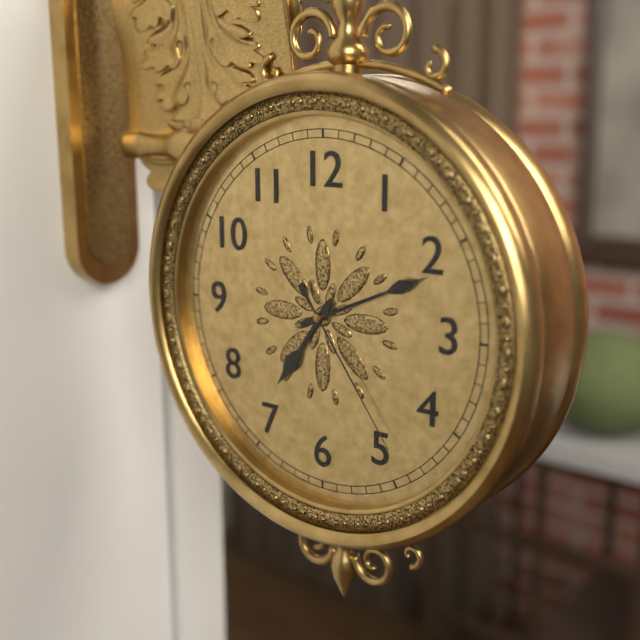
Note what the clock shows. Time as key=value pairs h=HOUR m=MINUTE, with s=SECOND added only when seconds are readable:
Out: h=7 m=11 s=24
